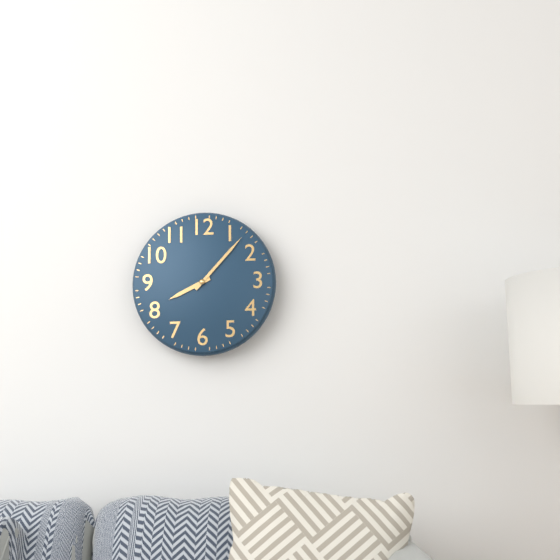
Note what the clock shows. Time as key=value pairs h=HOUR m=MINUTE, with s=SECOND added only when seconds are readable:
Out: h=8 m=7
